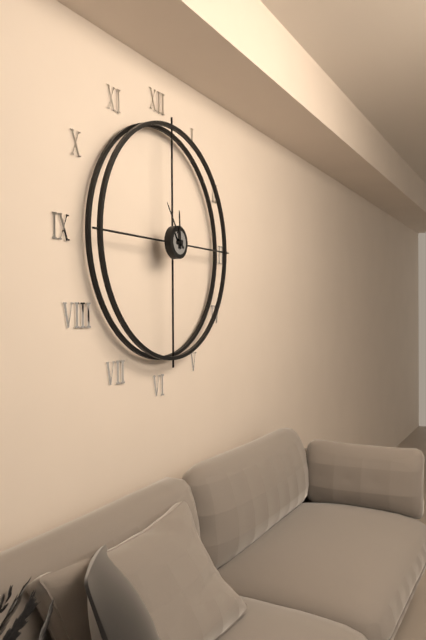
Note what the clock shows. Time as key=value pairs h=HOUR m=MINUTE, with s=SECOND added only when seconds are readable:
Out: h=11 m=54
